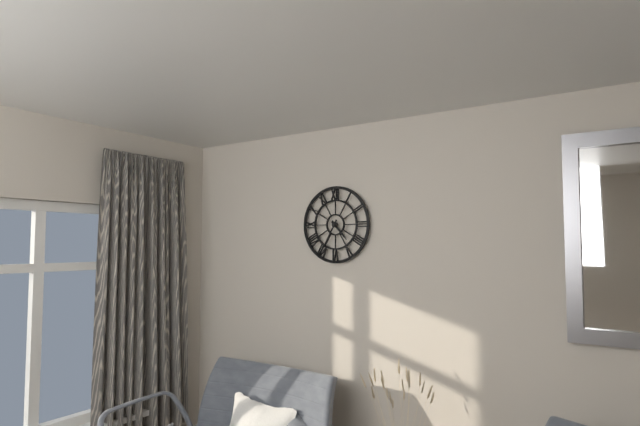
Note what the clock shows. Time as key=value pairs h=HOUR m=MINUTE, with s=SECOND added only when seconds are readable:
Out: h=4 m=35
